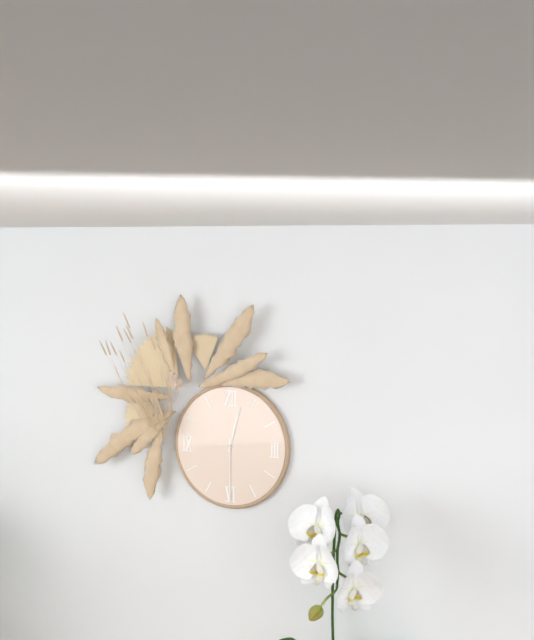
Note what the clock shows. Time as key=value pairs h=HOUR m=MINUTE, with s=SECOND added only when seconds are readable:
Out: h=12 m=30
